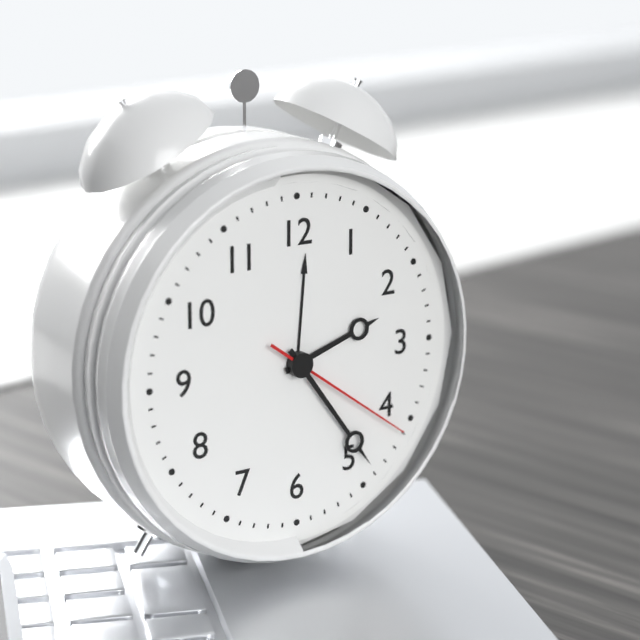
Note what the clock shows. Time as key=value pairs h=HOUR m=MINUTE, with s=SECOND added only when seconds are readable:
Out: h=2 m=24 s=21
